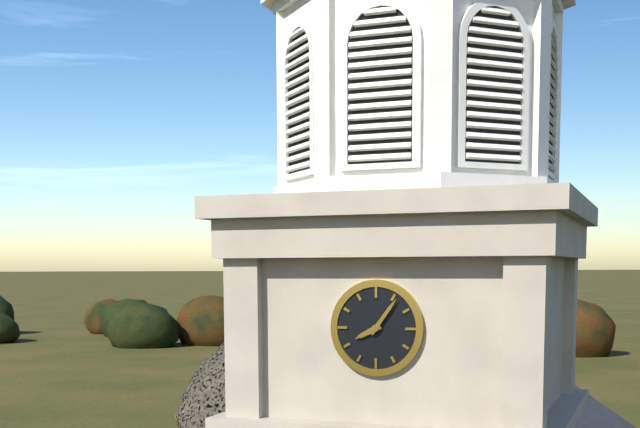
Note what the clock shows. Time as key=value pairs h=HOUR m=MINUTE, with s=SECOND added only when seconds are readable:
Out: h=8 m=6
